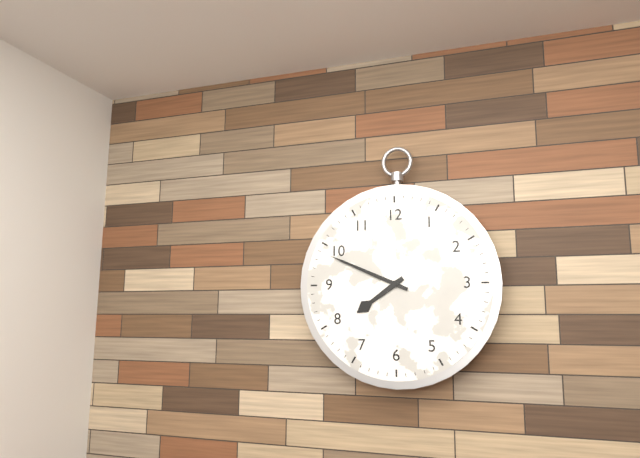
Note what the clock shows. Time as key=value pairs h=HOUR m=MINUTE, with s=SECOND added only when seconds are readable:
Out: h=7 m=49
